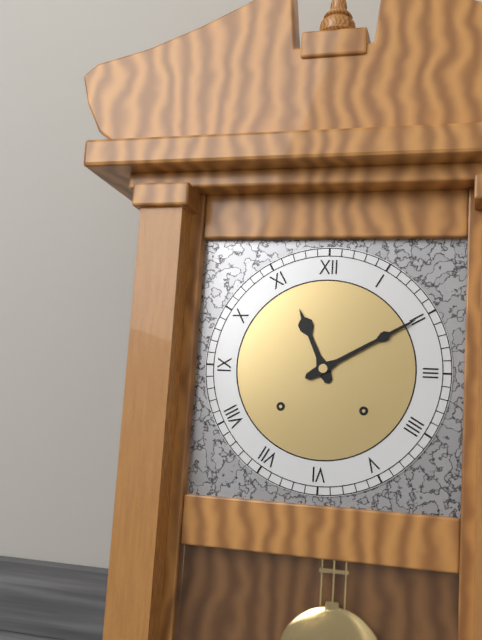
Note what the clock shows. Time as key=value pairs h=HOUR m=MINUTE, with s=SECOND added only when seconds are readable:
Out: h=11 m=10
